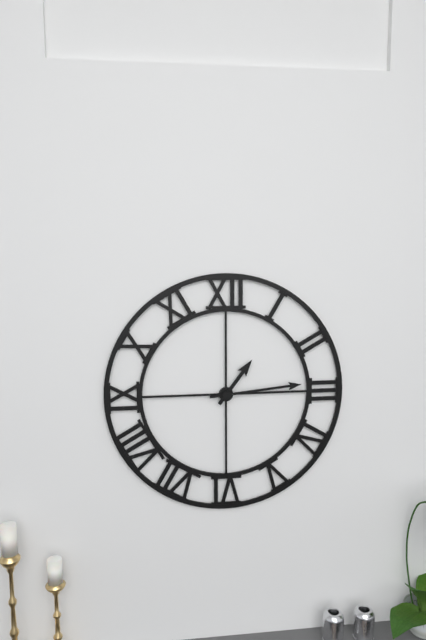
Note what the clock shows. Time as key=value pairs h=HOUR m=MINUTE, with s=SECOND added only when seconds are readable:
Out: h=1 m=14
